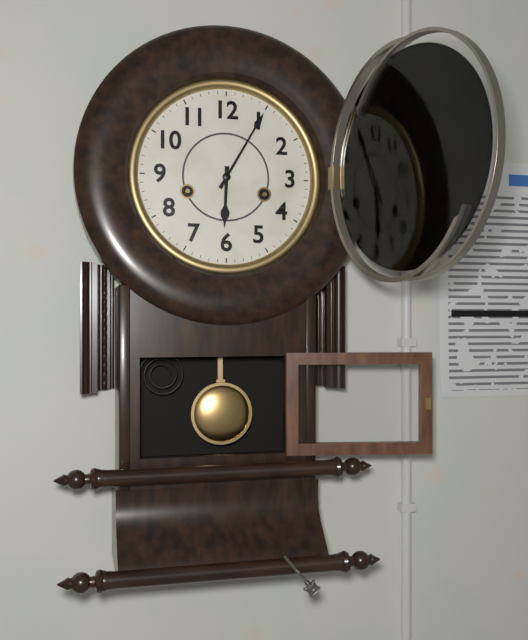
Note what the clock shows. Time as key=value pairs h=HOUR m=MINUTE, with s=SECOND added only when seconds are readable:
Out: h=6 m=5
